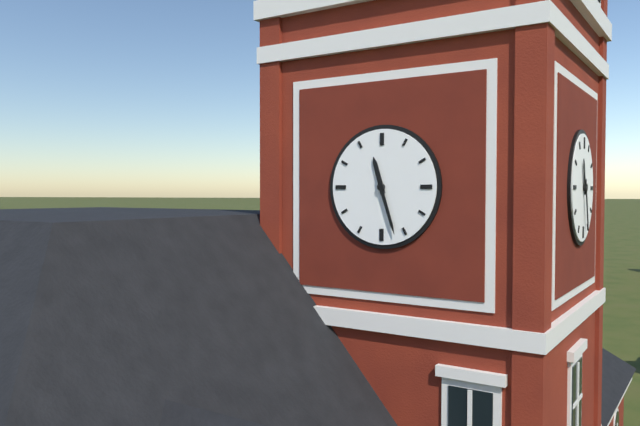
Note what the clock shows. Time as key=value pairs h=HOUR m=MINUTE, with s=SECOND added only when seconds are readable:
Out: h=11 m=27
